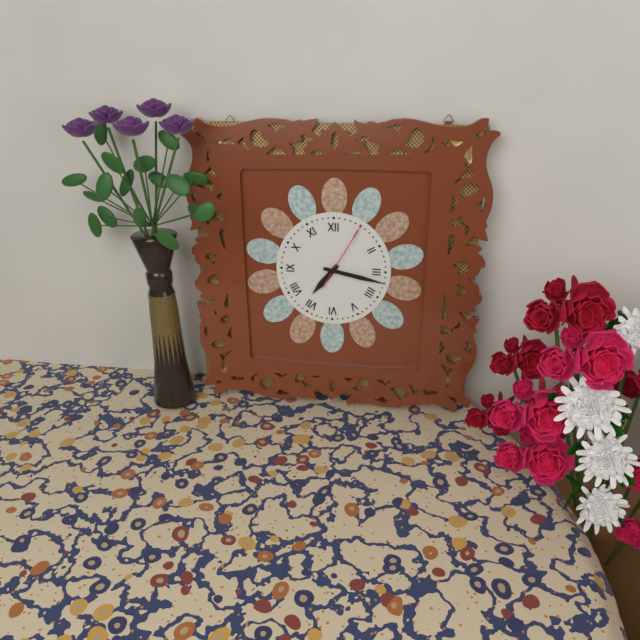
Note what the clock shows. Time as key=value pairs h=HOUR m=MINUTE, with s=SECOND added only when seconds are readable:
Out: h=7 m=17 s=5
